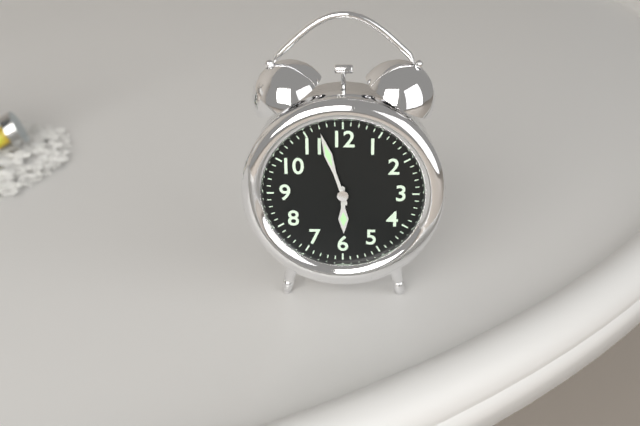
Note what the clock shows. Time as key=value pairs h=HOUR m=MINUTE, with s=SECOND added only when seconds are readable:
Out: h=5 m=57
